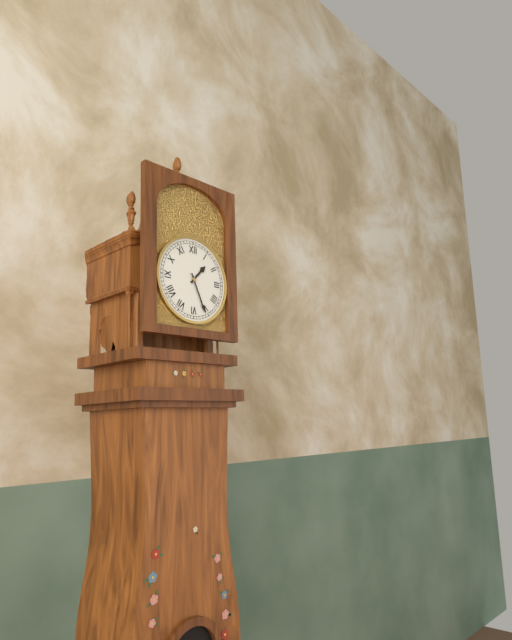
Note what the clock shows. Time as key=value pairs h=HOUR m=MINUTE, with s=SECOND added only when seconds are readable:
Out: h=1 m=26
